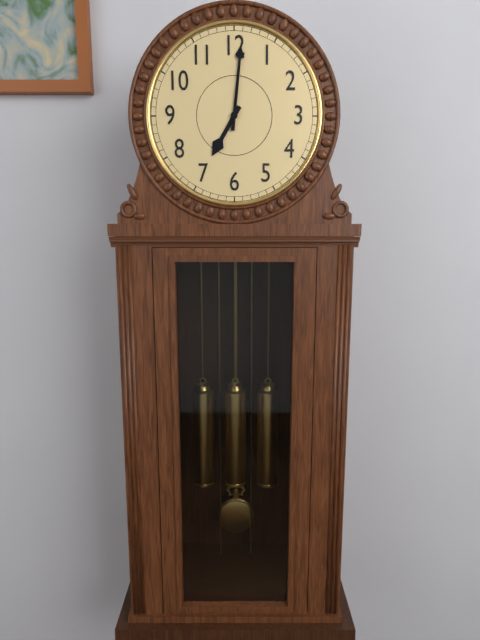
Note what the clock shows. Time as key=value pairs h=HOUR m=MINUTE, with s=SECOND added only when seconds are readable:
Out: h=7 m=1
